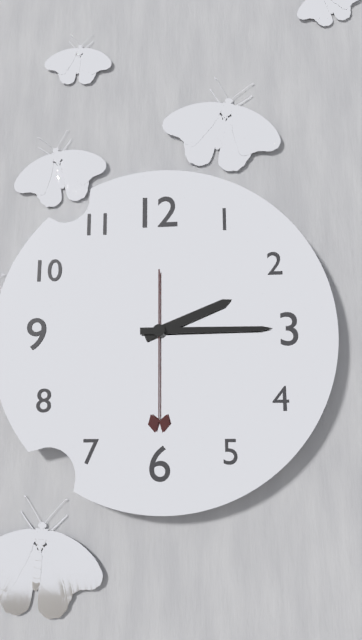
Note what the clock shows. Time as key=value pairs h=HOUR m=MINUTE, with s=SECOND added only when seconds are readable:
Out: h=2 m=15 s=30
